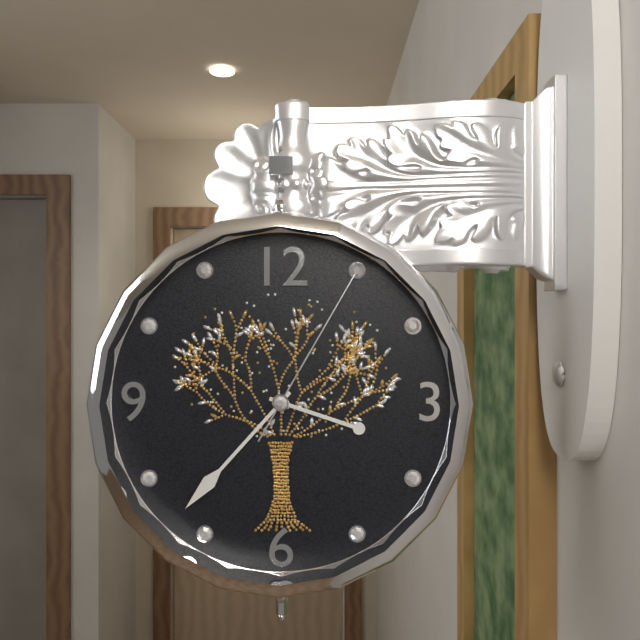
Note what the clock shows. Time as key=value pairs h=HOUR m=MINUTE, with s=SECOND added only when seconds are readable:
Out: h=3 m=37 s=5
